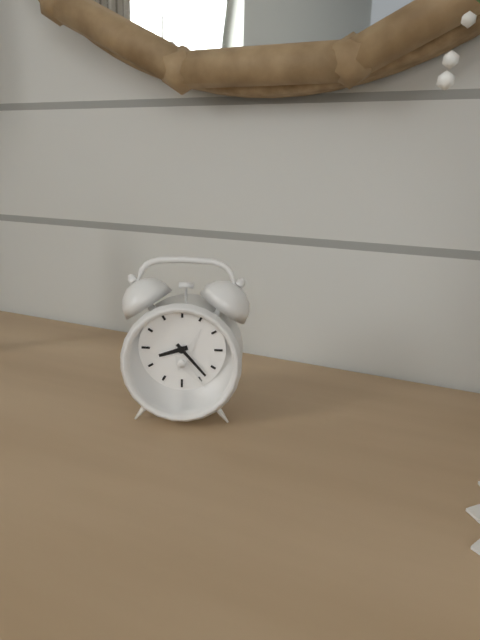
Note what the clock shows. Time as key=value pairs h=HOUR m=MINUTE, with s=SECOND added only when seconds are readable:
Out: h=8 m=23
